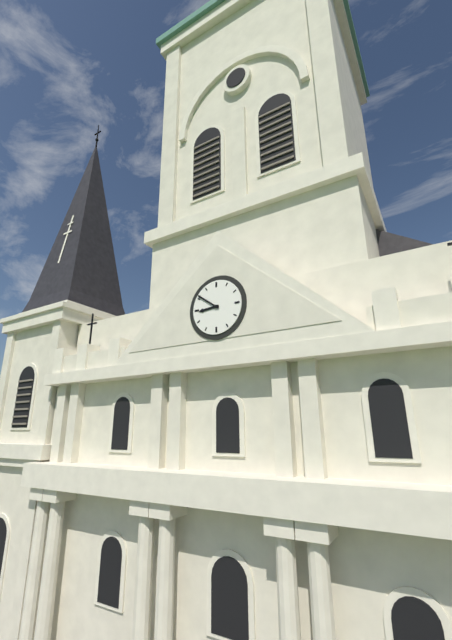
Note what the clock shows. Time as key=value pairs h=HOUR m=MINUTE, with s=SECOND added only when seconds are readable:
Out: h=8 m=51
